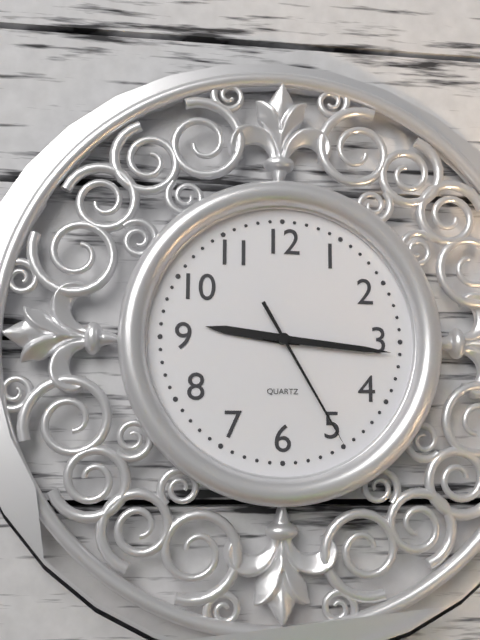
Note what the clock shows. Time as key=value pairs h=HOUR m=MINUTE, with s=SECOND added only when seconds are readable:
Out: h=9 m=16 s=25
